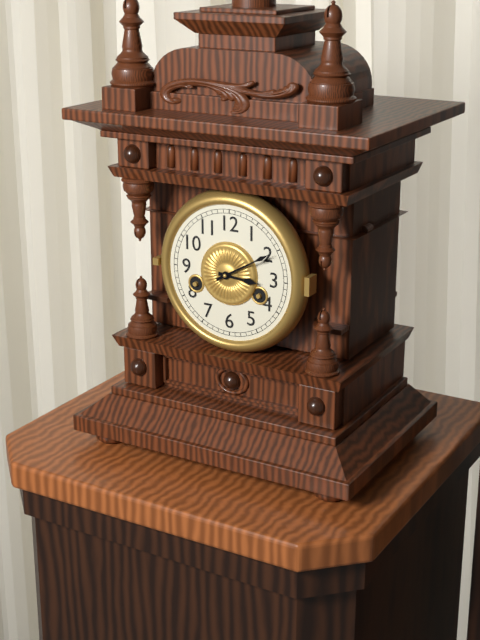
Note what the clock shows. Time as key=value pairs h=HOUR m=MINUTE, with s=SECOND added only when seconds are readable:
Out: h=3 m=10
